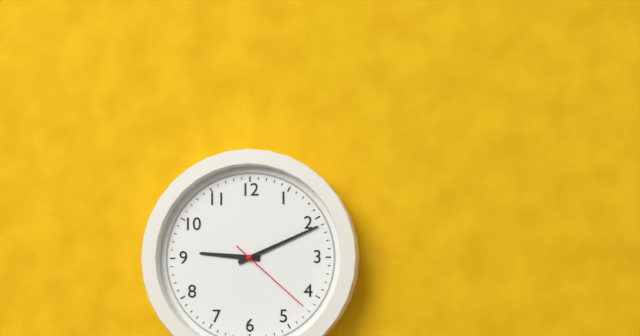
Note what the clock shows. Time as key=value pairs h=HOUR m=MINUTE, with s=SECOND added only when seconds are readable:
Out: h=9 m=11 s=22
